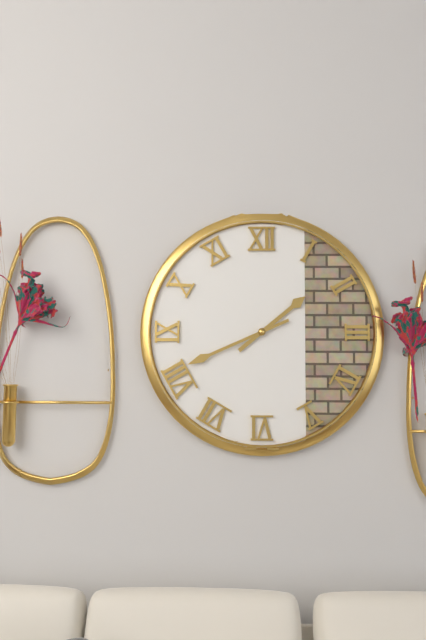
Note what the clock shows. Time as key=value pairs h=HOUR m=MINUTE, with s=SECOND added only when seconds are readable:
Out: h=1 m=41
